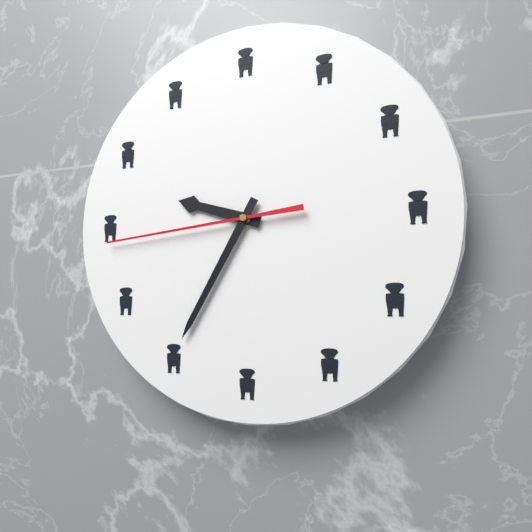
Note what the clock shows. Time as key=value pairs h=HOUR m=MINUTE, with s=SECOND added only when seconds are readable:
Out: h=9 m=35 s=44
